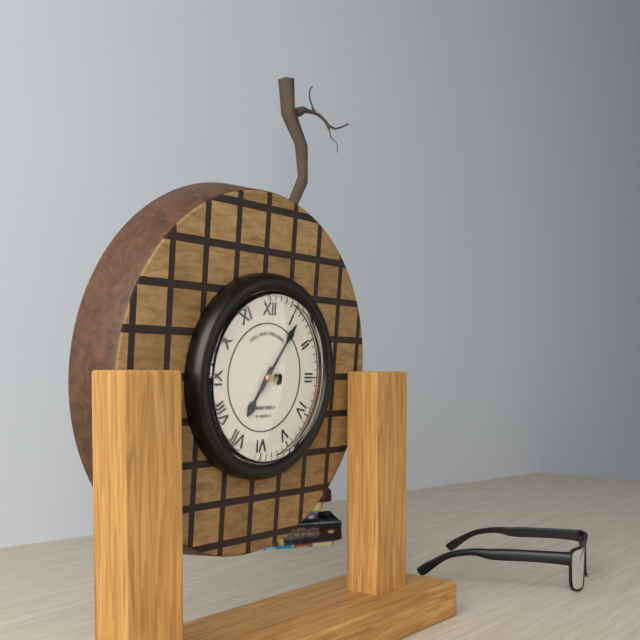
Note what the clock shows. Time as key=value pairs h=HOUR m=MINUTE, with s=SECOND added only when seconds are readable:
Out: h=7 m=6
